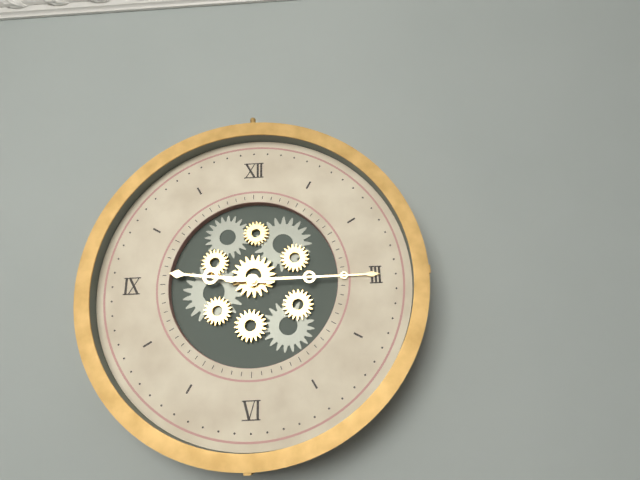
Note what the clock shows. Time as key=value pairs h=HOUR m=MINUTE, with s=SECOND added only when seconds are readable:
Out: h=9 m=15
